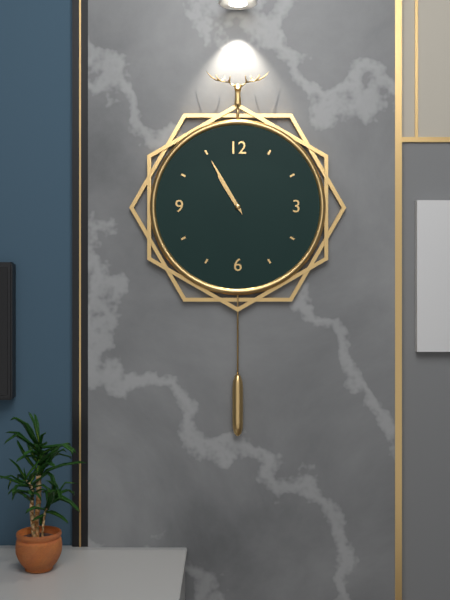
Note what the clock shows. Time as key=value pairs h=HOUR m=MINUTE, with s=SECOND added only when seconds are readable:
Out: h=10 m=55
